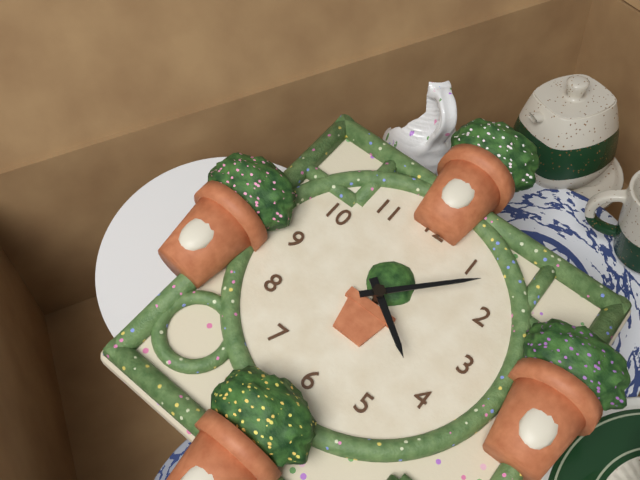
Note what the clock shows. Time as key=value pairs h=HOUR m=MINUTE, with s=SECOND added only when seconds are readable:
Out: h=4 m=7
